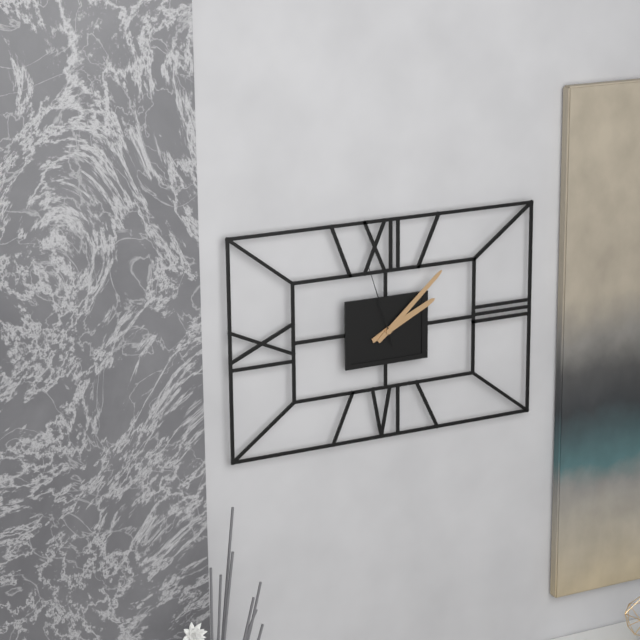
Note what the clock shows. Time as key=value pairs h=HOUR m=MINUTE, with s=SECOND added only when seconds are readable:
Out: h=2 m=8 s=57
